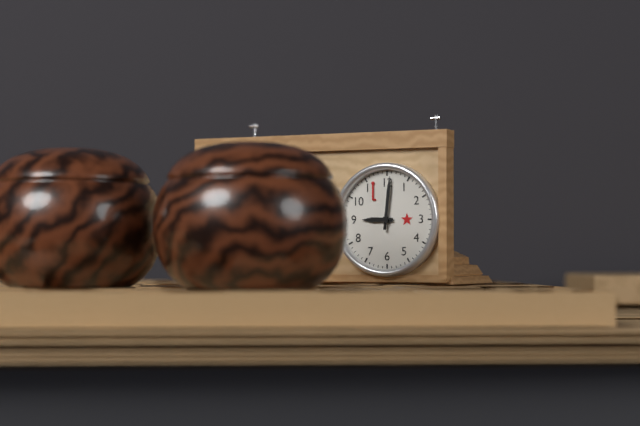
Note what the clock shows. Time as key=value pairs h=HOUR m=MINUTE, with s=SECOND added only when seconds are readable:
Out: h=9 m=1
